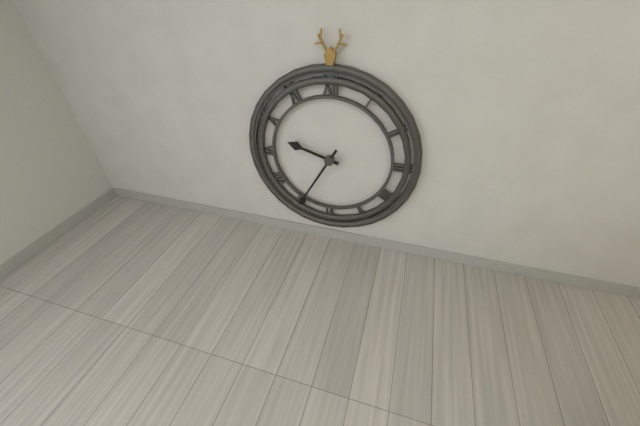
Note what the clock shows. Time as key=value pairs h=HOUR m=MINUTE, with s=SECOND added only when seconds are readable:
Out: h=9 m=35
